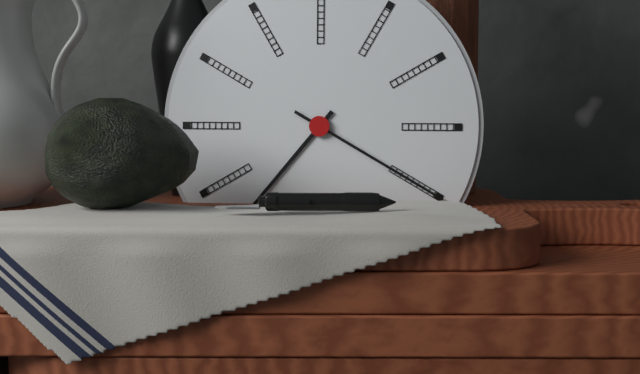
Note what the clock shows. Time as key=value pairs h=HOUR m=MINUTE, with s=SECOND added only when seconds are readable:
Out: h=7 m=20
